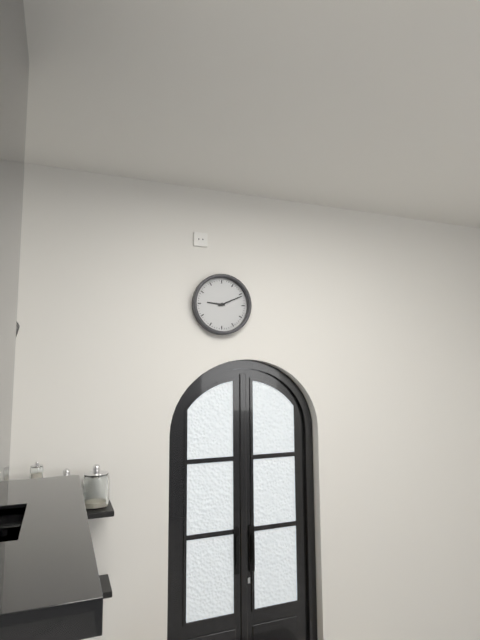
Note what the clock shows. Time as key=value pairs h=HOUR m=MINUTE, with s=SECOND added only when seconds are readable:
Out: h=9 m=11
